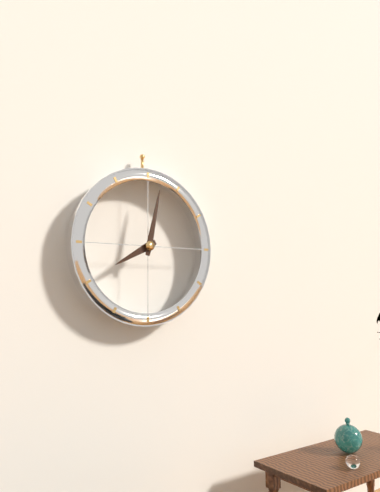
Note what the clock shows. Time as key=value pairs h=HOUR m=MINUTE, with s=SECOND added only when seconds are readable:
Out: h=8 m=2
